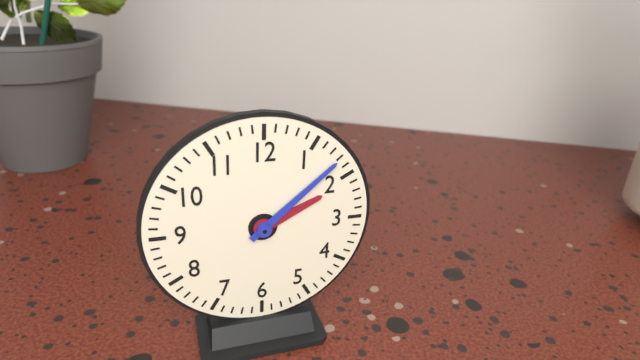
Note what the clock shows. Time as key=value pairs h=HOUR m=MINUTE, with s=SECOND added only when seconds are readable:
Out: h=2 m=8
